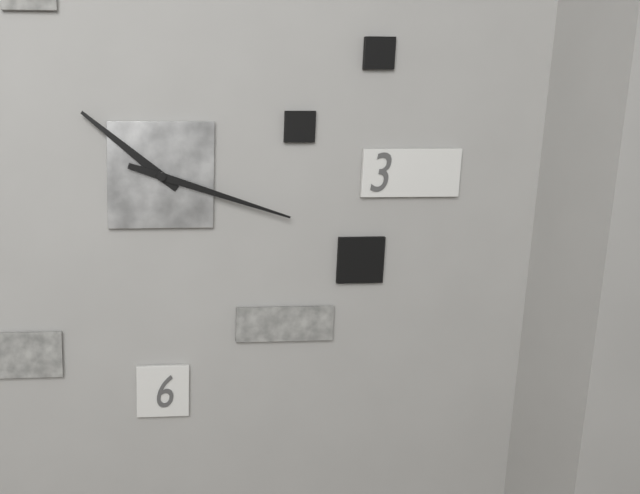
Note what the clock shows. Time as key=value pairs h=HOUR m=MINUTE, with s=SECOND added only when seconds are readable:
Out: h=10 m=18
